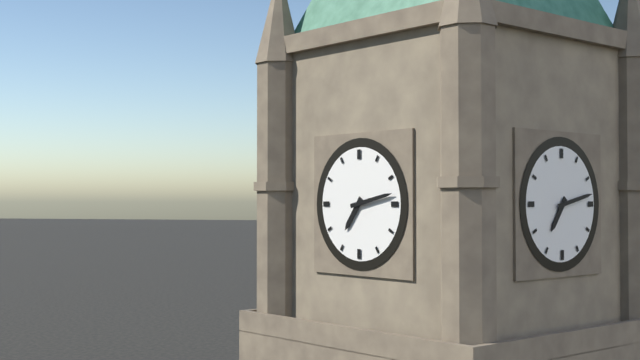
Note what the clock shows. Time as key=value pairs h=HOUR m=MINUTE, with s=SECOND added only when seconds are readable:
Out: h=7 m=13
